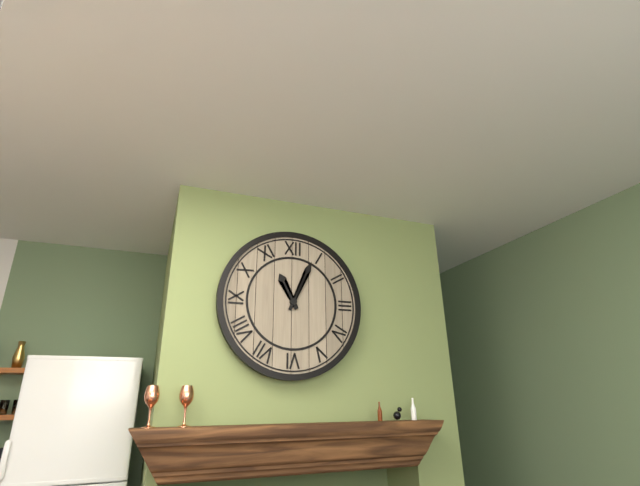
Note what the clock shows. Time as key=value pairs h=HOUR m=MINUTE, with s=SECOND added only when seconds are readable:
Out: h=11 m=4
